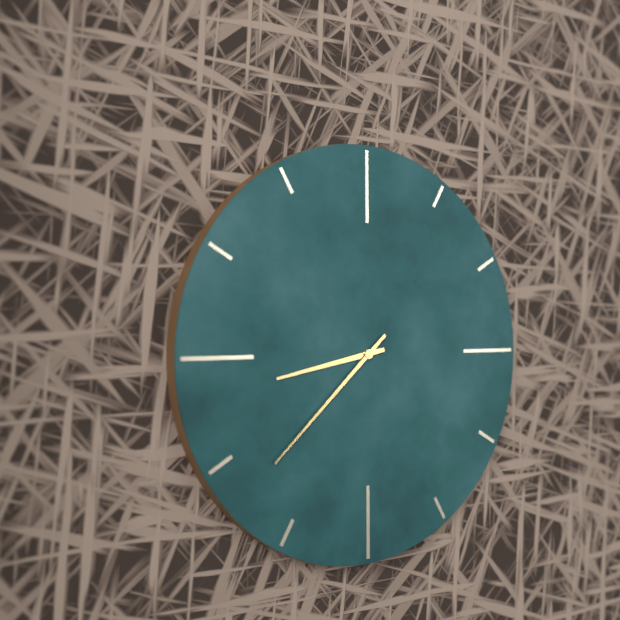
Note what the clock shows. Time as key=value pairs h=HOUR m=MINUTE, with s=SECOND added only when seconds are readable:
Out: h=8 m=38
